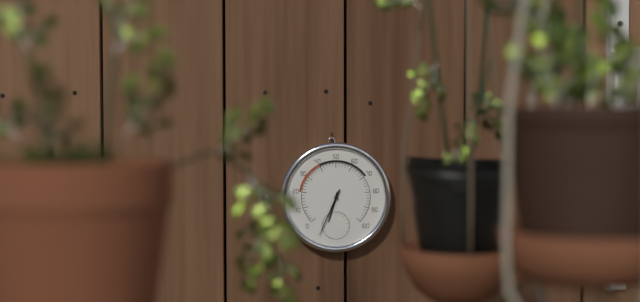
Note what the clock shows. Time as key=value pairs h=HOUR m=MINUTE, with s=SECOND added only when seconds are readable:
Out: h=6 m=34
